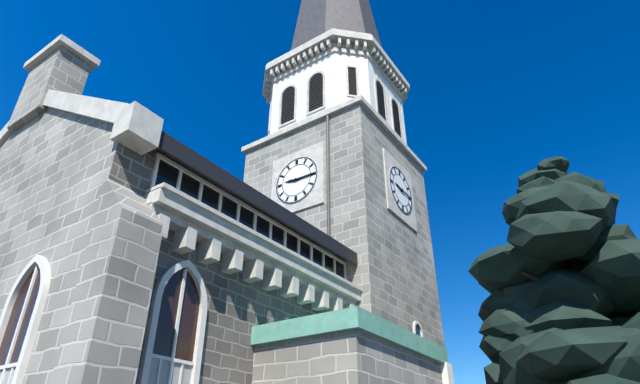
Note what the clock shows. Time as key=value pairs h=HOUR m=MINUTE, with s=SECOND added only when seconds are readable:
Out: h=9 m=15
